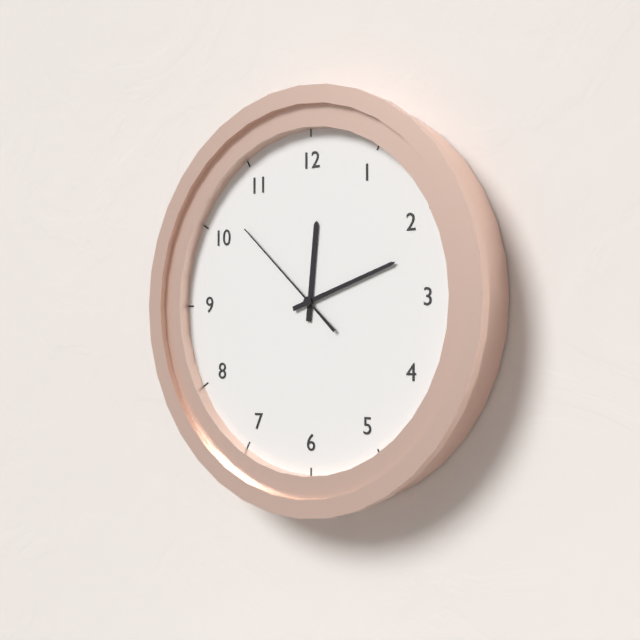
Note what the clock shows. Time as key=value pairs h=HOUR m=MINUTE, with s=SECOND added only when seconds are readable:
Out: h=12 m=12 s=52
